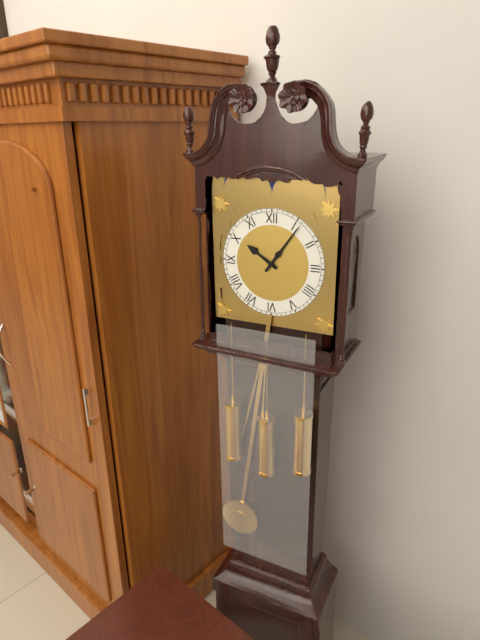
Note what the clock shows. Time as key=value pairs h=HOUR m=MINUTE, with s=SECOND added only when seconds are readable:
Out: h=10 m=6
